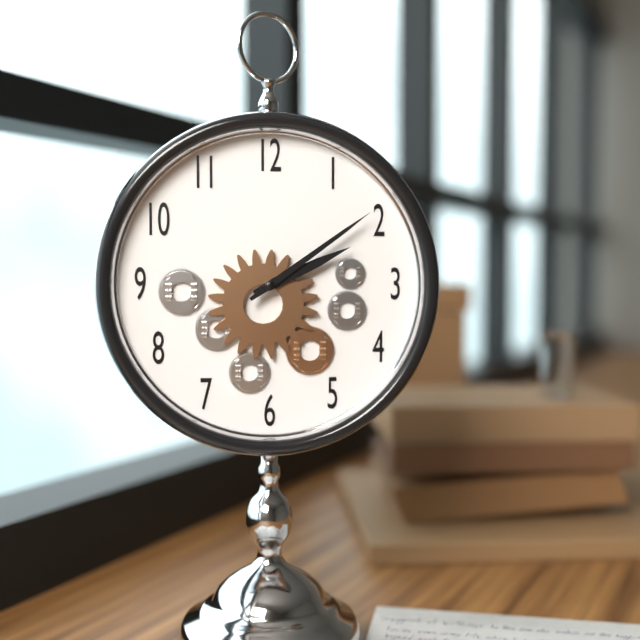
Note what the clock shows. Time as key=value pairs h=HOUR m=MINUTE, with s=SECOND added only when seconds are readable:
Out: h=2 m=9
